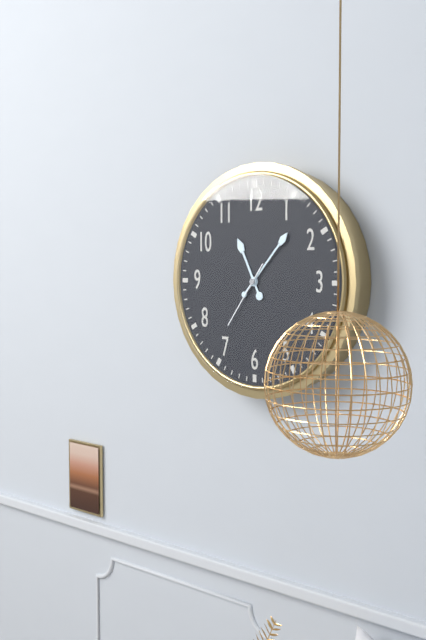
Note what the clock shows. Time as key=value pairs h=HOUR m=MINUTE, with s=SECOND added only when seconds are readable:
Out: h=11 m=7 s=36
